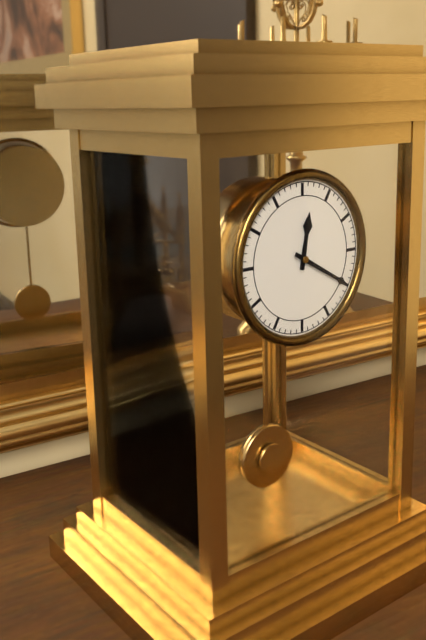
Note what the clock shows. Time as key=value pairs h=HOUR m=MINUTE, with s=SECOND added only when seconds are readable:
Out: h=12 m=20
